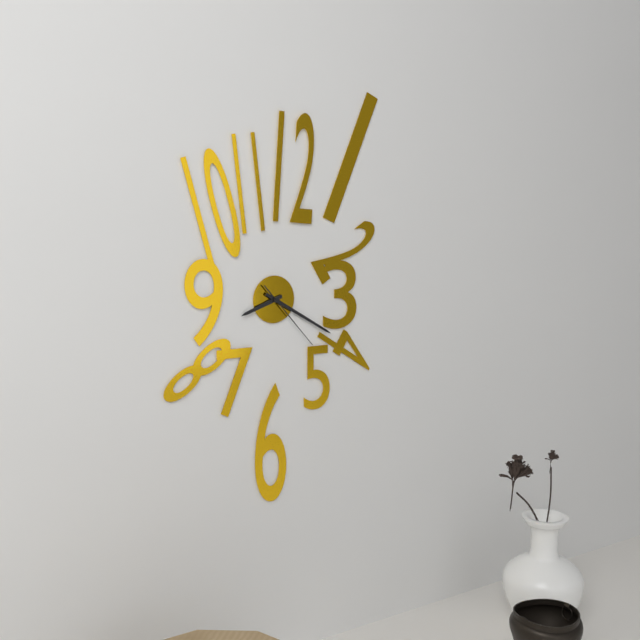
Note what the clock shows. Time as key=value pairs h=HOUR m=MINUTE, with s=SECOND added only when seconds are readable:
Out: h=8 m=20 s=23
